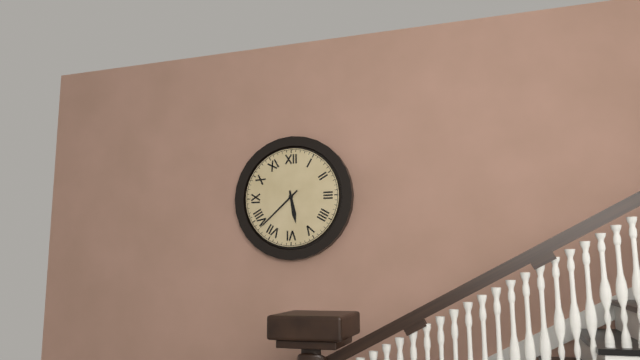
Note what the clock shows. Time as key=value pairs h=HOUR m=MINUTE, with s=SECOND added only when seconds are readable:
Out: h=5 m=38
